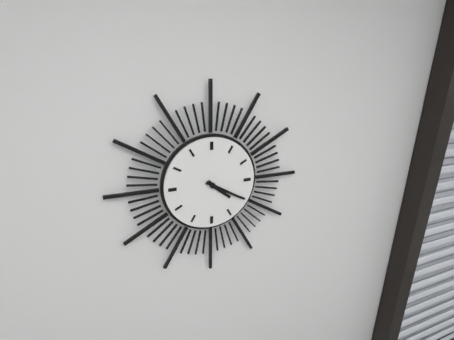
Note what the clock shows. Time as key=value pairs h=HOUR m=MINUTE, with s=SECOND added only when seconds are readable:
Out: h=4 m=20
